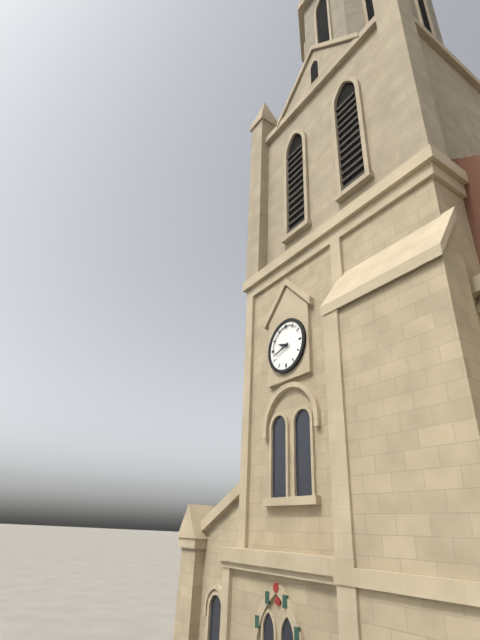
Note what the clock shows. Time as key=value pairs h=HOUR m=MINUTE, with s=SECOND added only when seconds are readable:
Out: h=9 m=42
